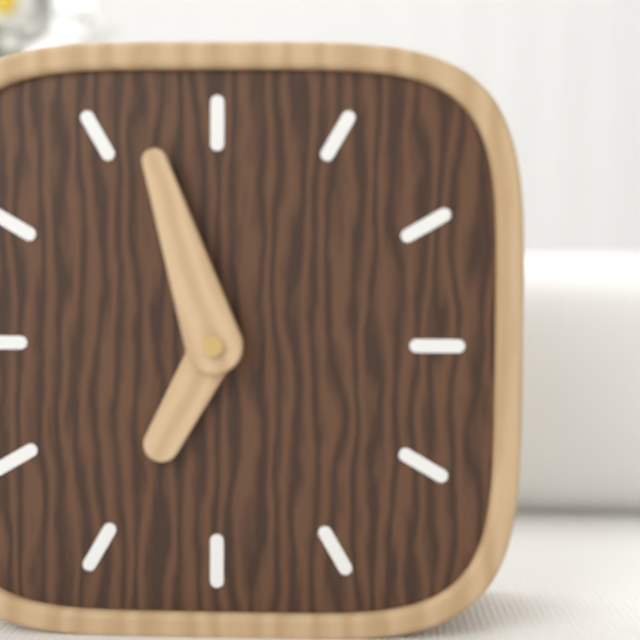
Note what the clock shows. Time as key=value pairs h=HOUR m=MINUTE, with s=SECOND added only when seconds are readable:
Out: h=6 m=57
